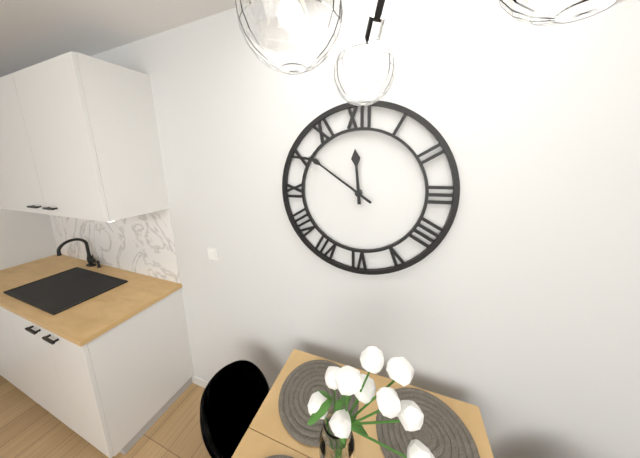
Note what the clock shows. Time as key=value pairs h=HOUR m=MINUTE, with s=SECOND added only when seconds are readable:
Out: h=11 m=51
